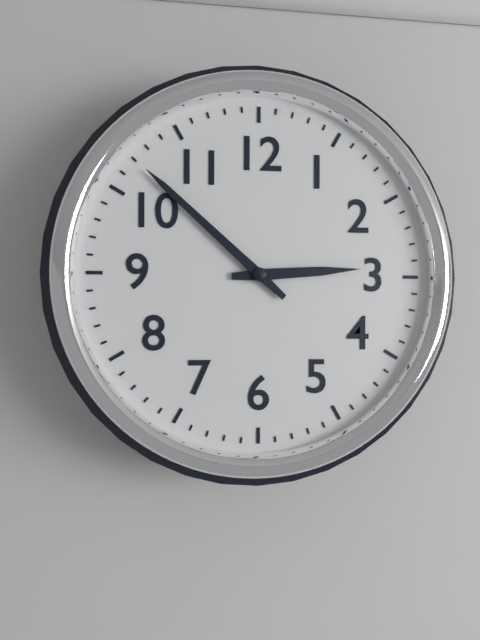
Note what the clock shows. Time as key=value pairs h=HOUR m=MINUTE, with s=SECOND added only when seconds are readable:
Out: h=2 m=52
